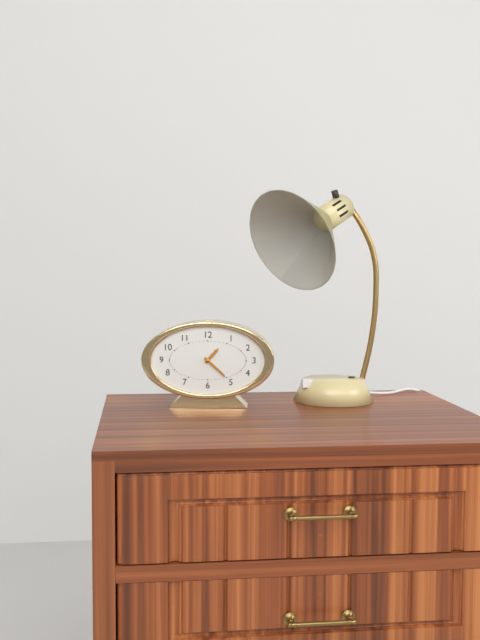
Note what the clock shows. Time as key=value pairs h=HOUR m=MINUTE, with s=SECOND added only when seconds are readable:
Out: h=1 m=22
